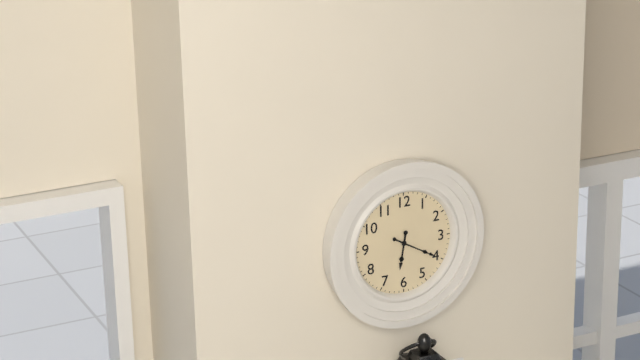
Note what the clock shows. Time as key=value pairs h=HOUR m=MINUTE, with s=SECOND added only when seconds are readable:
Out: h=6 m=20
